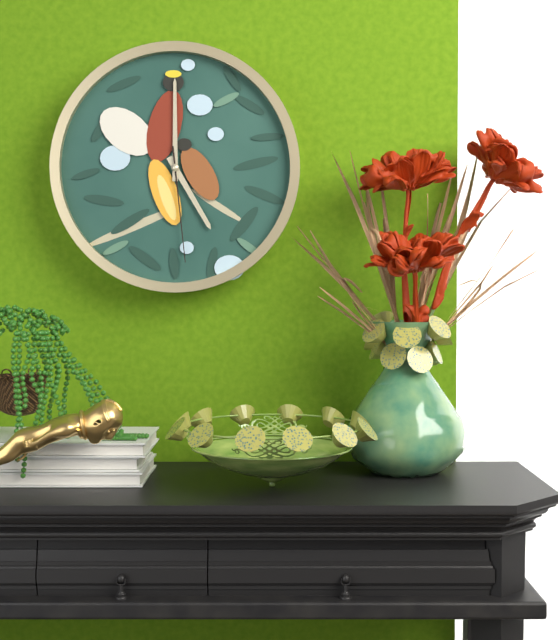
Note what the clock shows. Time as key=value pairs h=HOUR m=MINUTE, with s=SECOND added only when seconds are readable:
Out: h=5 m=0 s=29
